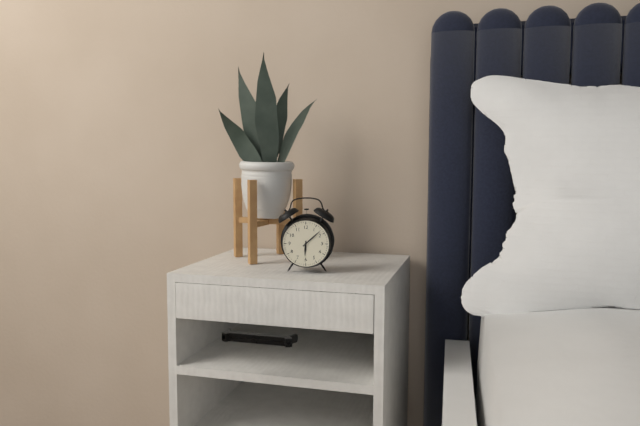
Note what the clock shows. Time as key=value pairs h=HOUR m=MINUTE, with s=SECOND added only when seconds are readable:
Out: h=6 m=8
